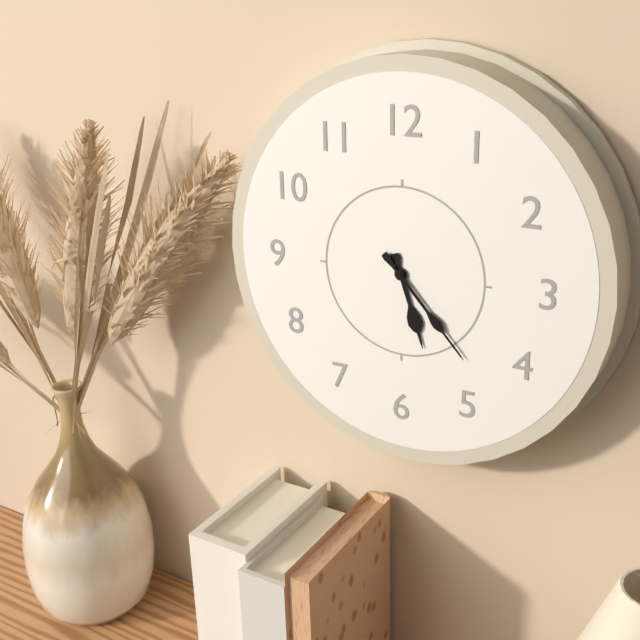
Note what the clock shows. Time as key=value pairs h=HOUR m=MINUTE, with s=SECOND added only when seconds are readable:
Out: h=5 m=23
